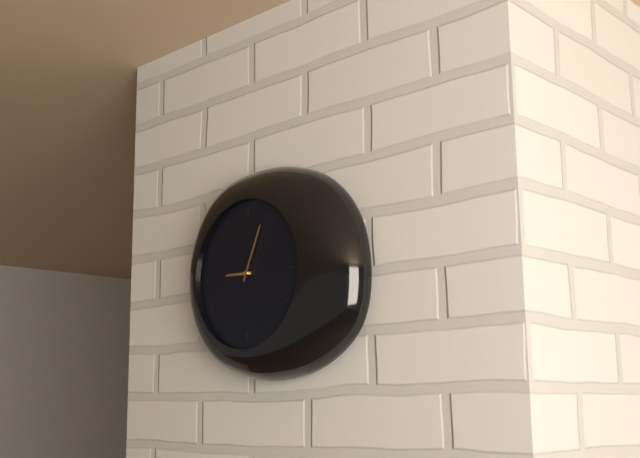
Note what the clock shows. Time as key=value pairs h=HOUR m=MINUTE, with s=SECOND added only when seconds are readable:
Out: h=9 m=4
